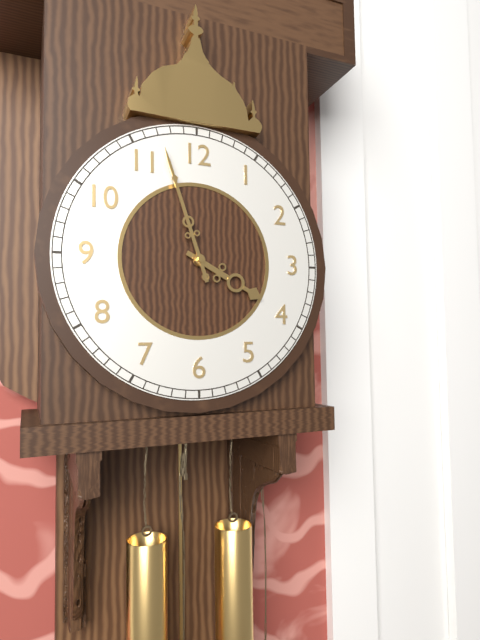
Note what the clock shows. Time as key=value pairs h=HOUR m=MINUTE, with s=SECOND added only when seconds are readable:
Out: h=3 m=57
